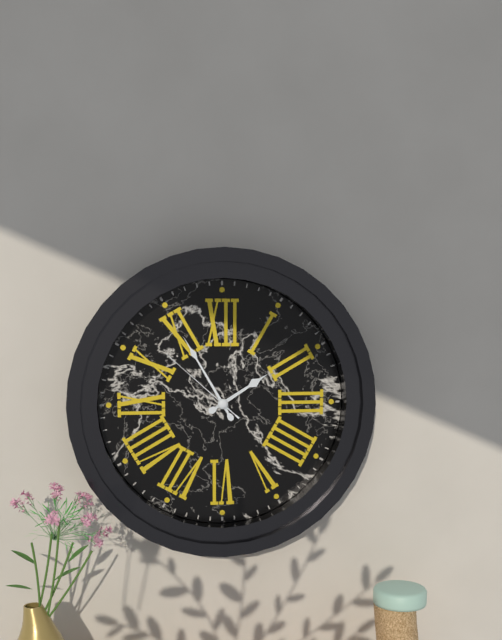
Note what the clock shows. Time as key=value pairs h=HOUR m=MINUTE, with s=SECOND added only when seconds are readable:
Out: h=1 m=55 s=52
